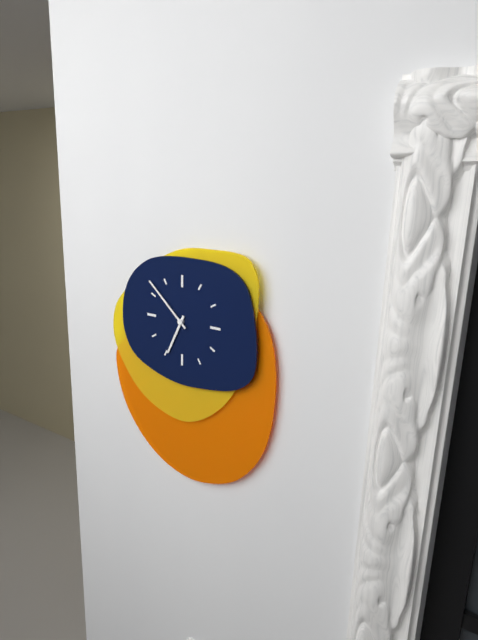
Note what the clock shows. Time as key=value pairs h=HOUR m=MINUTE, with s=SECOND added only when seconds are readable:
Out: h=6 m=52
